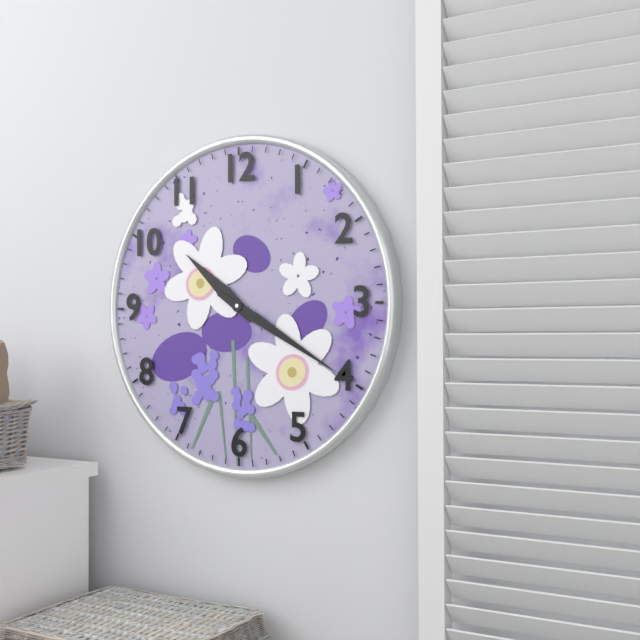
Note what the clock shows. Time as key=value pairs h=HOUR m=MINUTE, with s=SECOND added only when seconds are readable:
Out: h=10 m=20
